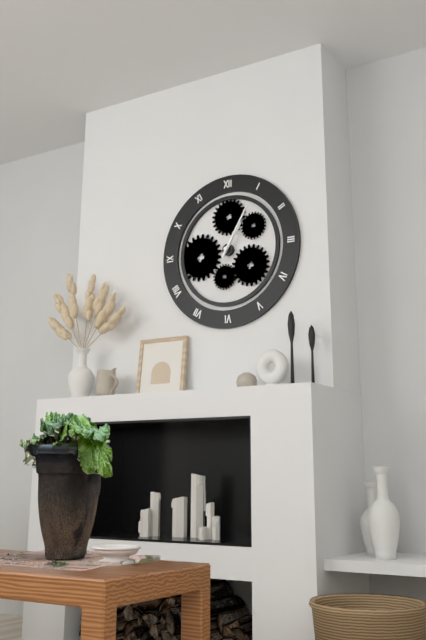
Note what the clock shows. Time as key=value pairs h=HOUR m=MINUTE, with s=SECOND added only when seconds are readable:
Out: h=1 m=5
